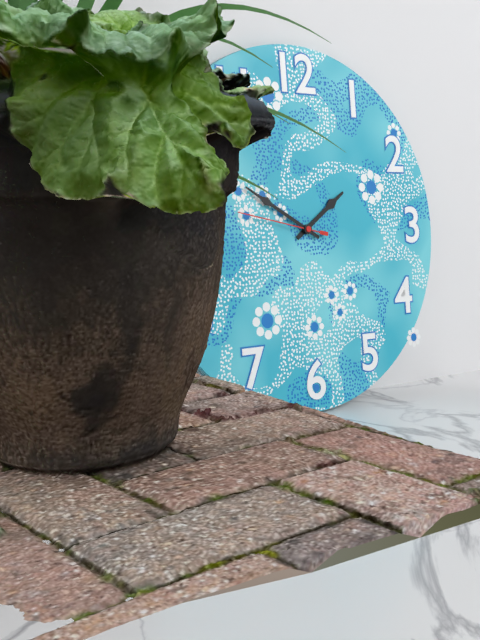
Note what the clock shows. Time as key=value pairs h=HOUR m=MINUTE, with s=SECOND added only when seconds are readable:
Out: h=1 m=50 s=47
